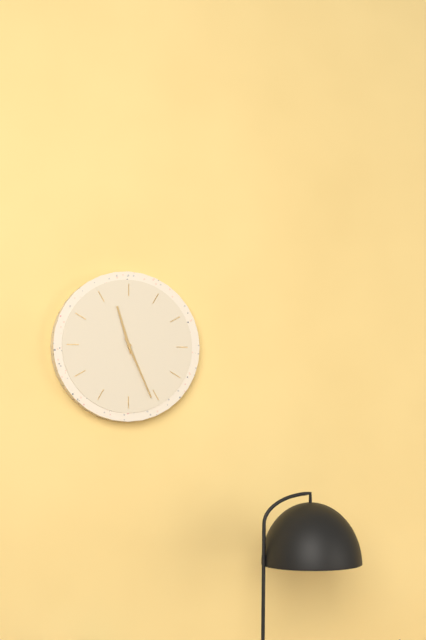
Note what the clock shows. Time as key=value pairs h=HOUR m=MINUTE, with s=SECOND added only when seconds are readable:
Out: h=11 m=26
